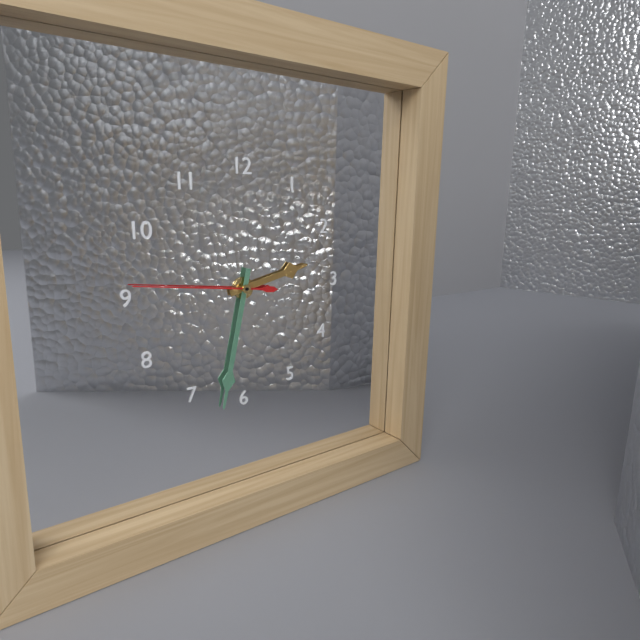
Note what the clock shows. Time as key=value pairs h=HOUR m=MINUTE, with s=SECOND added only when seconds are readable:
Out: h=2 m=32 s=46
